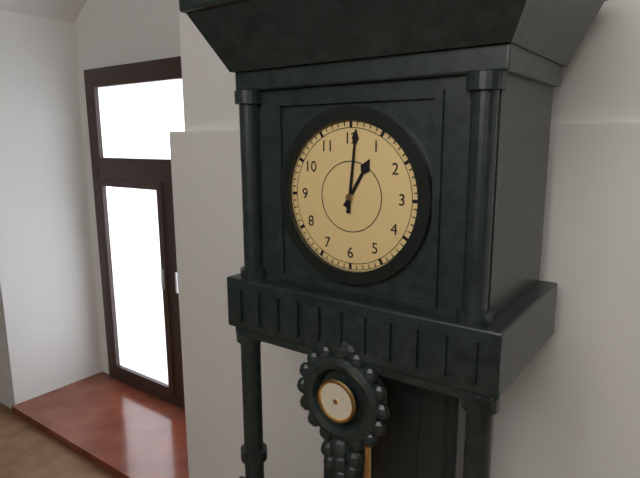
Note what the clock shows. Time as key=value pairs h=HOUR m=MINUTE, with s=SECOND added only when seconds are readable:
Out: h=1 m=1
